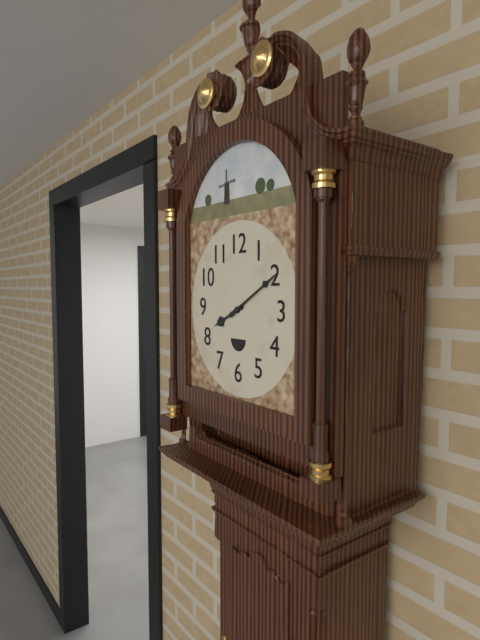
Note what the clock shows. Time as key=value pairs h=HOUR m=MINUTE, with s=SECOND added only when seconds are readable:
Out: h=8 m=10
